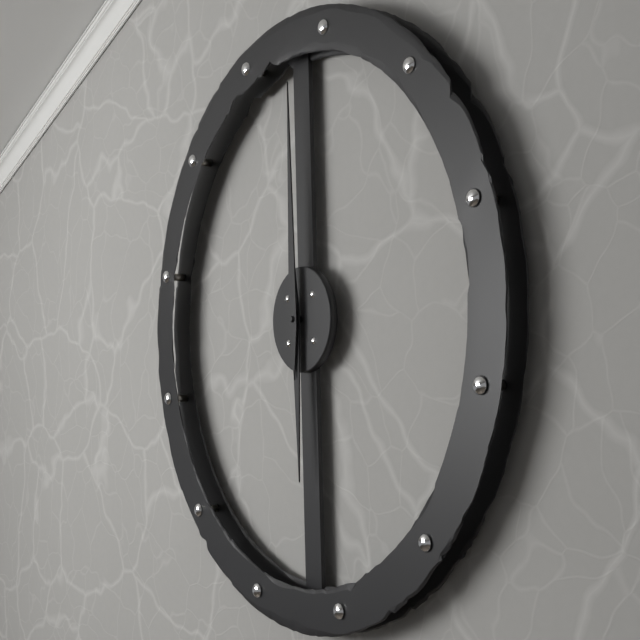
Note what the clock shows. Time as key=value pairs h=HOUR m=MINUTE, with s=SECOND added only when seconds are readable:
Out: h=6 m=0
